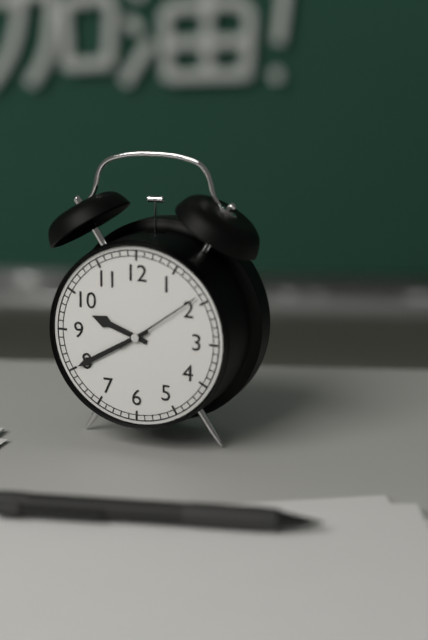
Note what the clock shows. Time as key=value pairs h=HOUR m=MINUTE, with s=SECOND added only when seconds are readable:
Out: h=9 m=40 s=9
